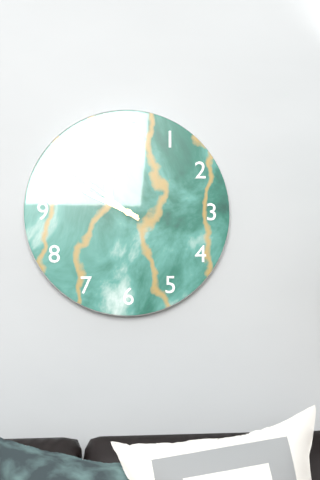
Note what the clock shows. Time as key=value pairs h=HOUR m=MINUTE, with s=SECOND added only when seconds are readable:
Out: h=9 m=51
